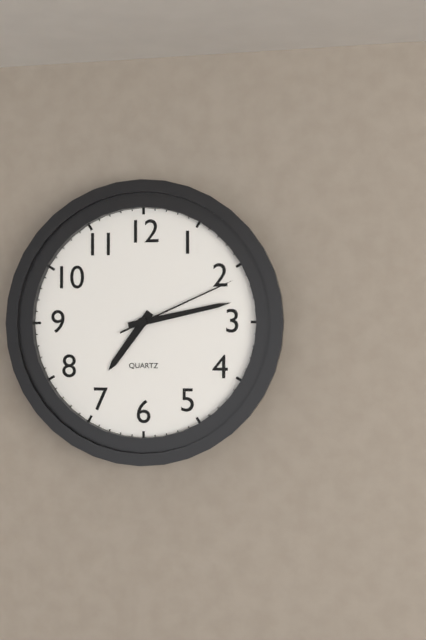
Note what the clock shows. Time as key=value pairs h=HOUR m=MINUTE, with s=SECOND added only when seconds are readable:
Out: h=7 m=13 s=11
